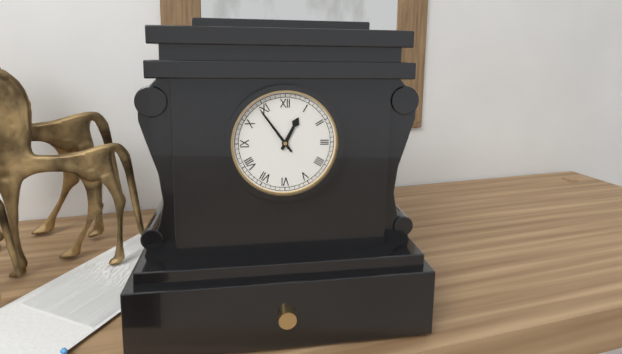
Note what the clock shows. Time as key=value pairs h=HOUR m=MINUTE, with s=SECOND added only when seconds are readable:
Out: h=12 m=54
